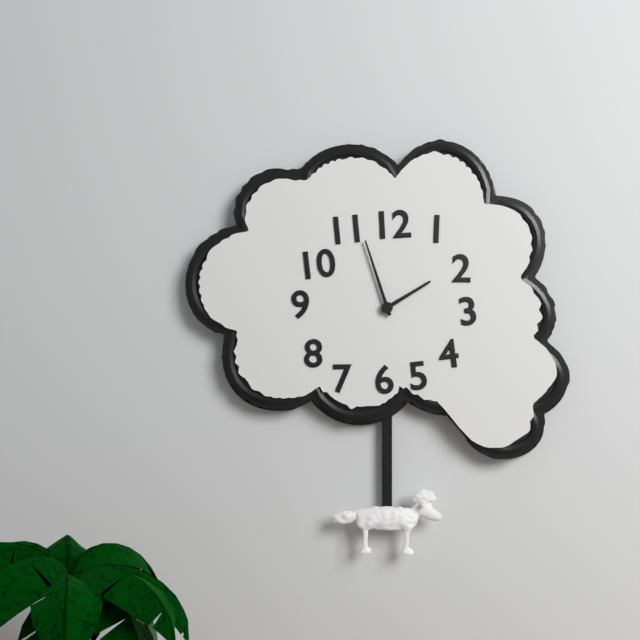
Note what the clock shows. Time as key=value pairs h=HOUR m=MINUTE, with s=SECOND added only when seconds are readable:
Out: h=1 m=57
